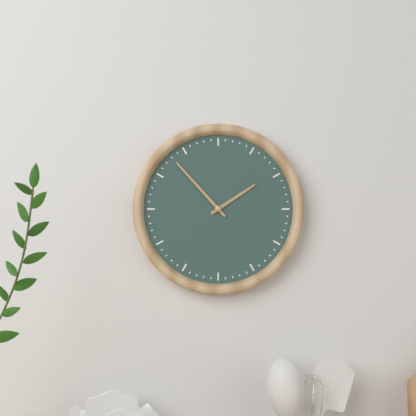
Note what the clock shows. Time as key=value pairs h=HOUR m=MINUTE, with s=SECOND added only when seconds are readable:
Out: h=1 m=53
